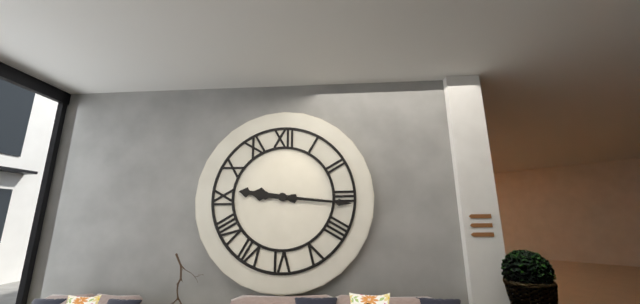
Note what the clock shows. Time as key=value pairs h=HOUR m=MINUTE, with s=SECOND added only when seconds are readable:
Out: h=9 m=16
